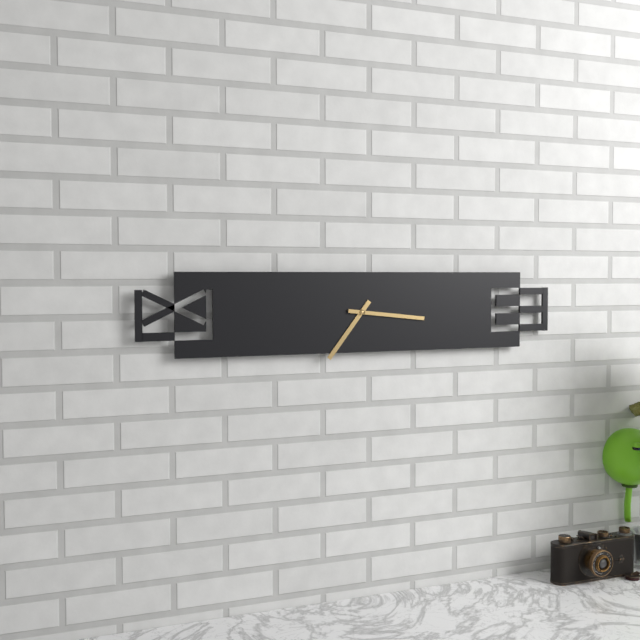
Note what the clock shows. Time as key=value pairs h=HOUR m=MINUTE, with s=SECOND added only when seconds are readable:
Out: h=7 m=16
